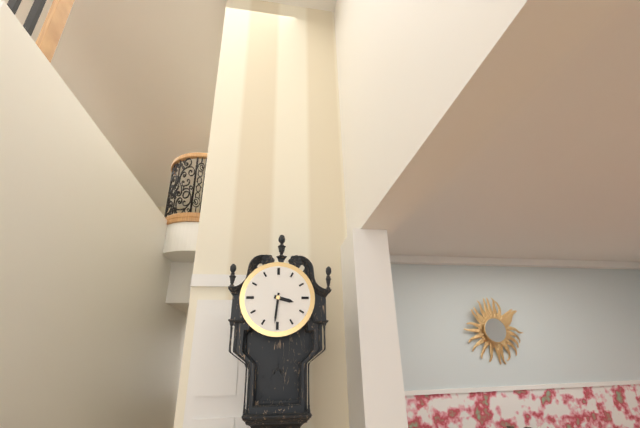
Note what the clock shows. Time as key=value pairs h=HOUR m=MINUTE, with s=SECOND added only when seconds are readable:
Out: h=3 m=31
